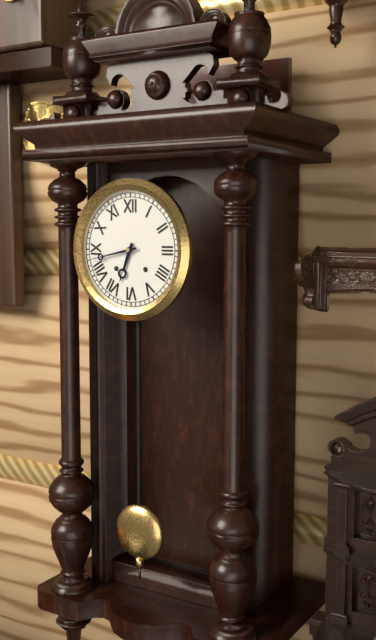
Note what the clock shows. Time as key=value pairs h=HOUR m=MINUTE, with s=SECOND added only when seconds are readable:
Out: h=6 m=43
